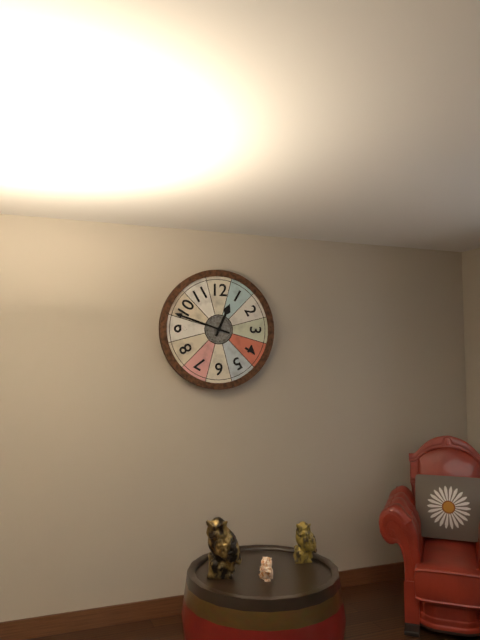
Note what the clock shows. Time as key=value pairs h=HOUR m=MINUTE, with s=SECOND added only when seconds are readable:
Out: h=12 m=48
